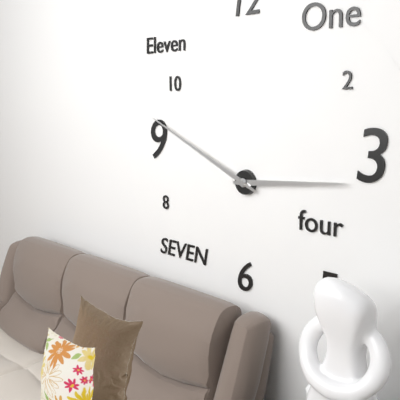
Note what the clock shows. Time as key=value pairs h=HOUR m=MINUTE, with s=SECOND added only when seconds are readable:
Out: h=2 m=49
